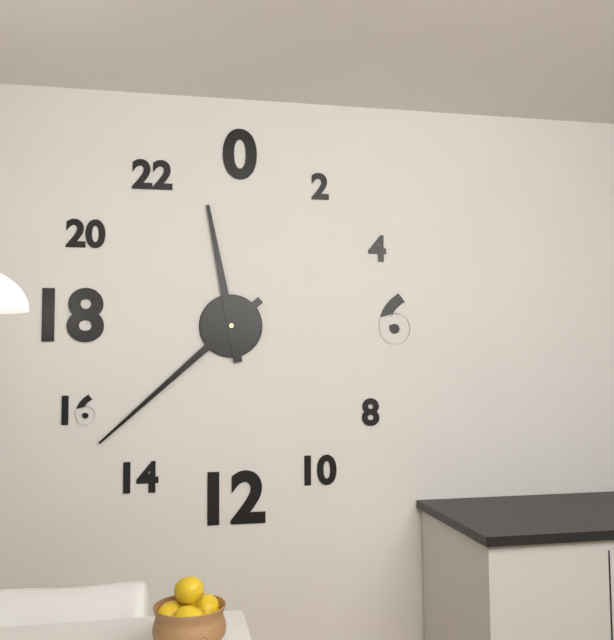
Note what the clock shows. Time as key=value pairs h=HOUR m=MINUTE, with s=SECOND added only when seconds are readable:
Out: h=11 m=38
